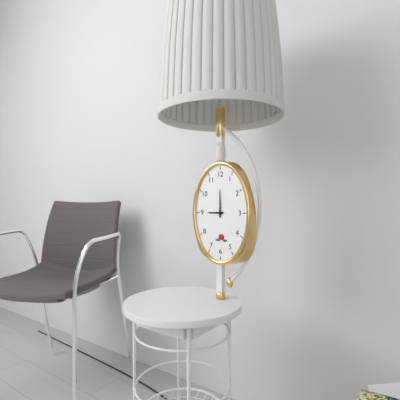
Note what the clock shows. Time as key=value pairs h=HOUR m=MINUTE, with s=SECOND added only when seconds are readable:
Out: h=9 m=0
